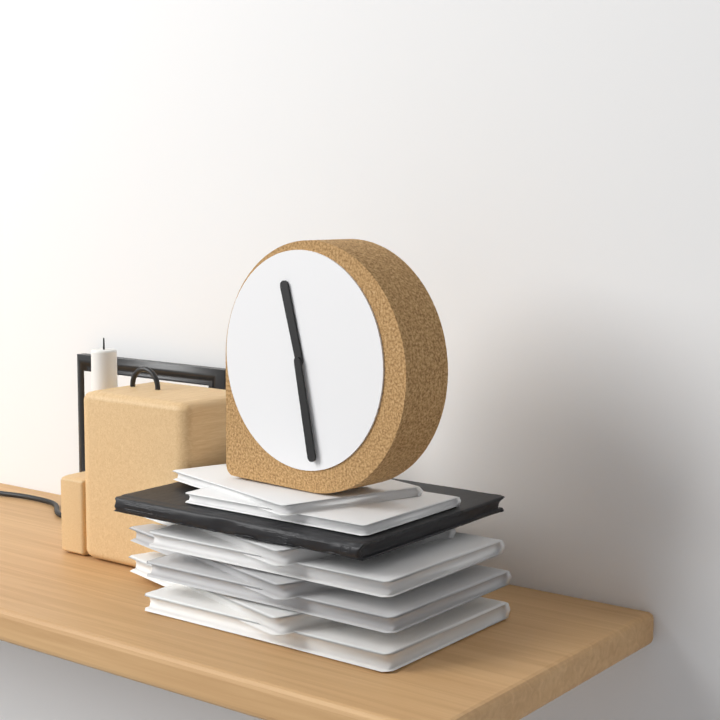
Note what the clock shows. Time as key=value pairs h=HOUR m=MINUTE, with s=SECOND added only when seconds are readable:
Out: h=11 m=28
